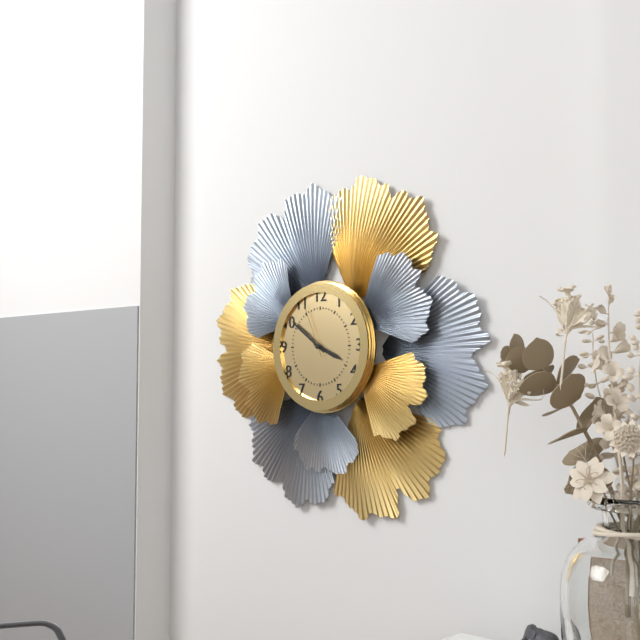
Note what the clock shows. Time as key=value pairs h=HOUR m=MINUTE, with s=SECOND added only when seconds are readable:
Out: h=3 m=51 s=56
